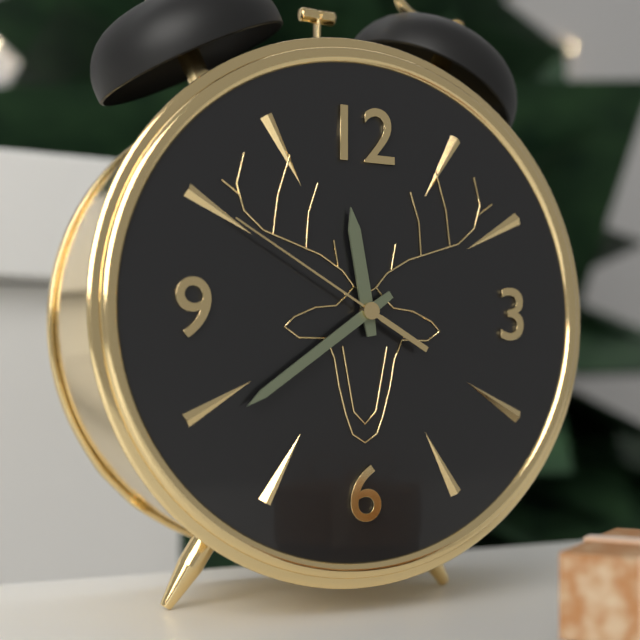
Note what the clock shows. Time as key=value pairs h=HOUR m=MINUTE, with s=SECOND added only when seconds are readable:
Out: h=11 m=39 s=50
